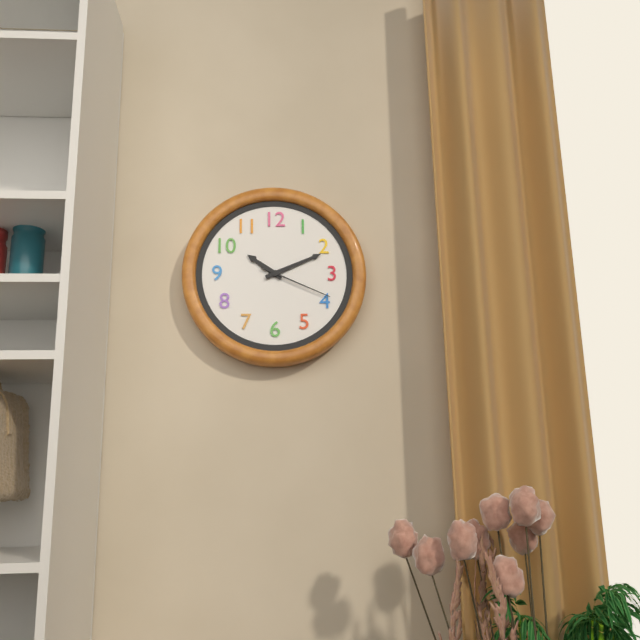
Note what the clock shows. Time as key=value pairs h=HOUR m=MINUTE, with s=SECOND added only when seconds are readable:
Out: h=10 m=11 s=19
